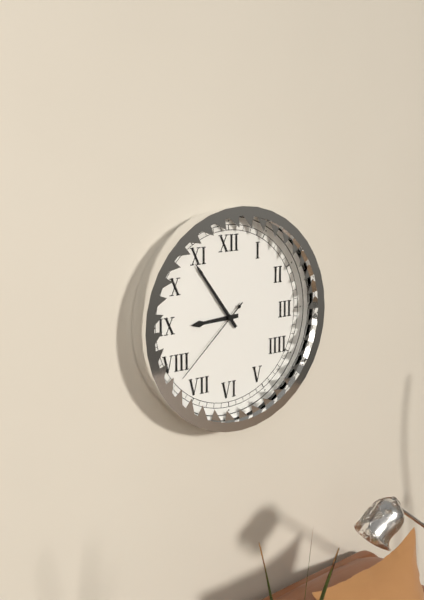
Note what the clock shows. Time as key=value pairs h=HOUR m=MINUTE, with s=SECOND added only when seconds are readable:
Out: h=8 m=54 s=38
